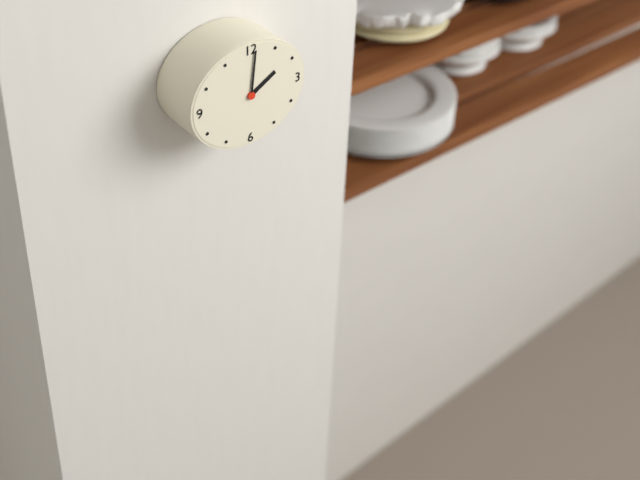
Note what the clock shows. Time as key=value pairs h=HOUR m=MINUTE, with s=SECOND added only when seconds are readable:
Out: h=2 m=1
